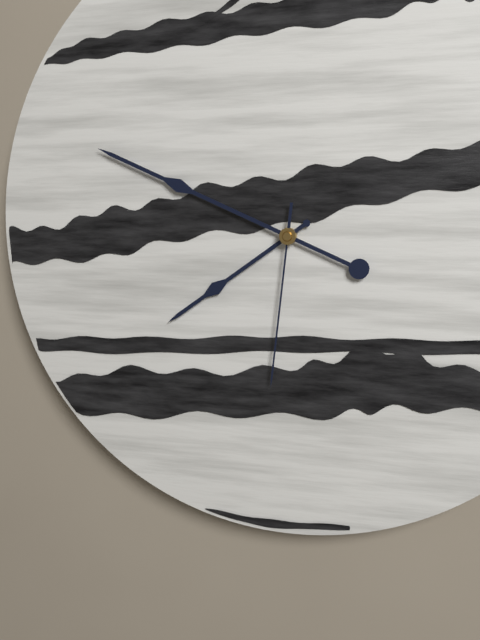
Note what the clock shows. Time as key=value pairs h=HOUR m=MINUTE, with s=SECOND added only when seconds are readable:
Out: h=7 m=49 s=31
